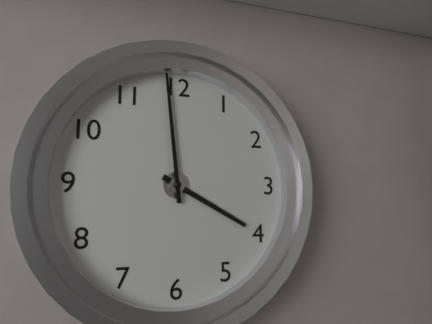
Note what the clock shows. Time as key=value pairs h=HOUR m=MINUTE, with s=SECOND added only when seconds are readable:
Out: h=3 m=59
